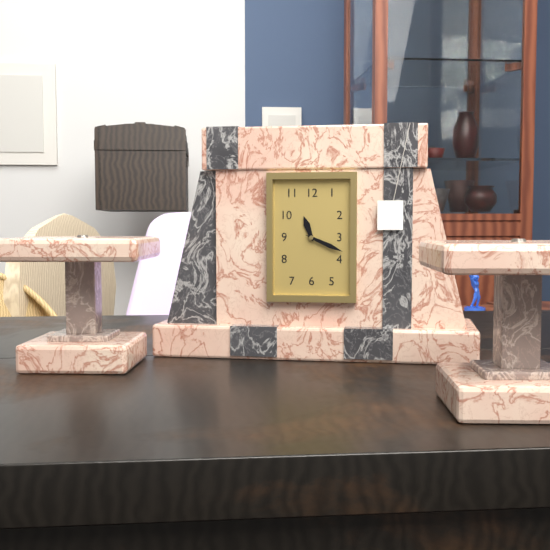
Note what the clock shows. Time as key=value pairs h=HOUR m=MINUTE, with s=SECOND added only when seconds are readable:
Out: h=11 m=19
